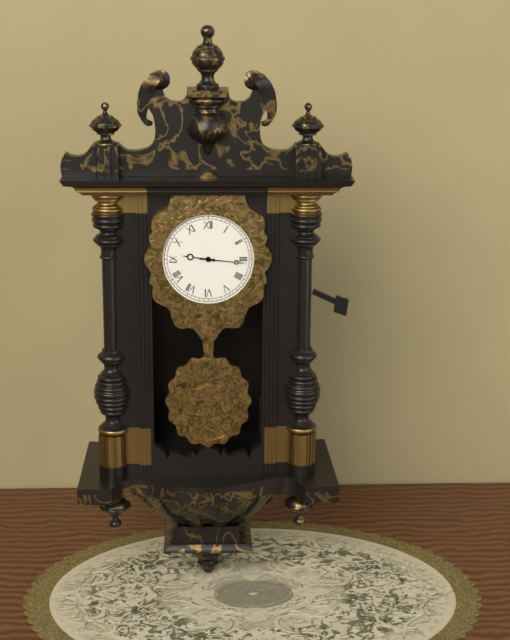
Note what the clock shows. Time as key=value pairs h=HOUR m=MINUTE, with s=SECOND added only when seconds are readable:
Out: h=9 m=16
